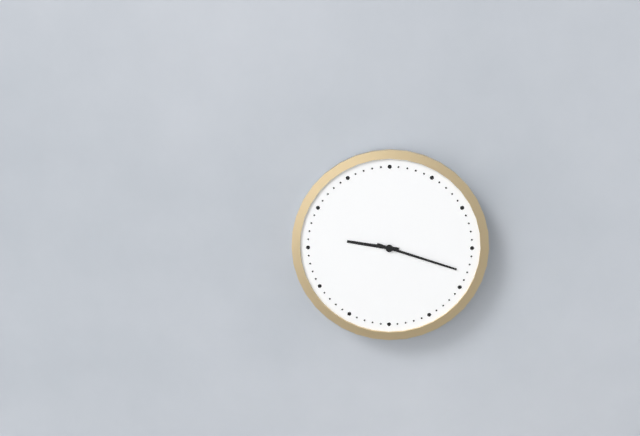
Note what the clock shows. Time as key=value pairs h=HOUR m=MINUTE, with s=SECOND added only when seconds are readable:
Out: h=9 m=18
